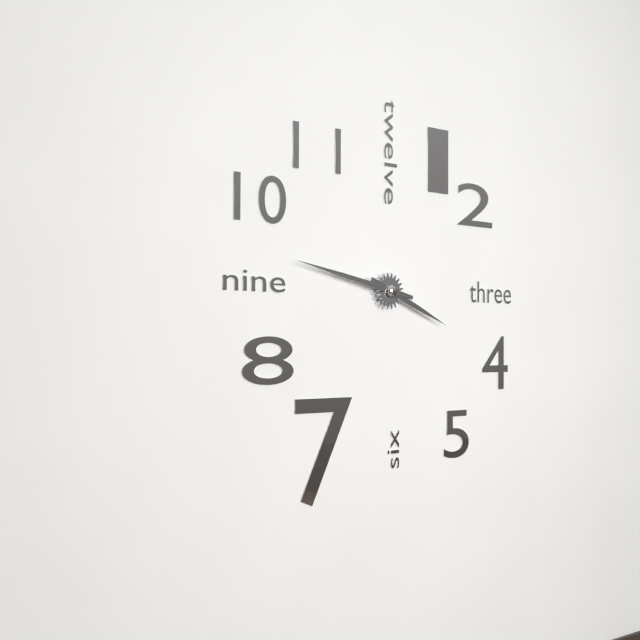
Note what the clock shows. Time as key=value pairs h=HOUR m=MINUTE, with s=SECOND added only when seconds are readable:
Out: h=3 m=47
